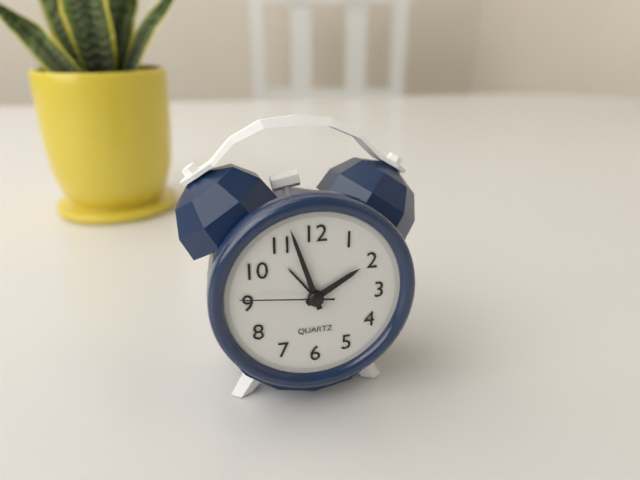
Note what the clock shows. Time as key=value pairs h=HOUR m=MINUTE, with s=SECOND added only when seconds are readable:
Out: h=1 m=57 s=46
